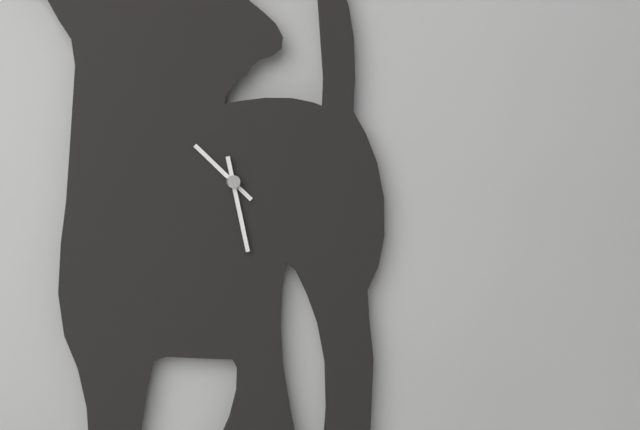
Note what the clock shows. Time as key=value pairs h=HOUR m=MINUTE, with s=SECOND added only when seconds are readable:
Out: h=10 m=28
